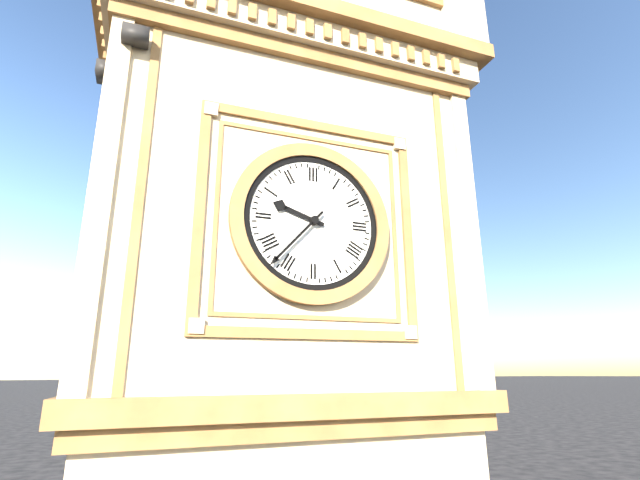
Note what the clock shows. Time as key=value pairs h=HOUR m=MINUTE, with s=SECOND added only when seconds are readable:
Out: h=9 m=37
